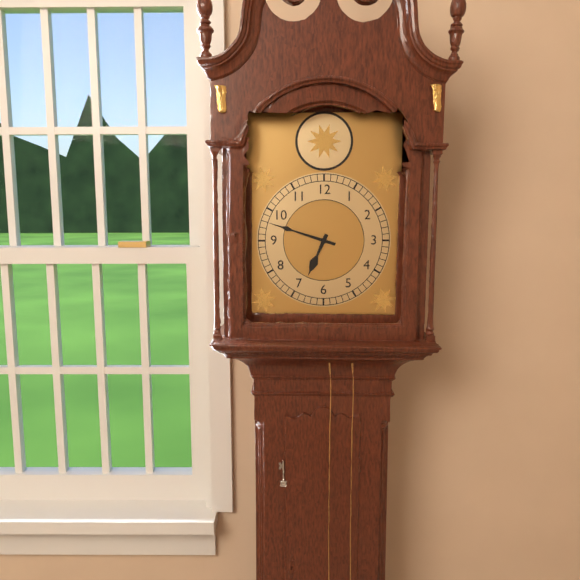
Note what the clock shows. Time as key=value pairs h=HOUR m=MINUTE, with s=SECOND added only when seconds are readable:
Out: h=6 m=48
